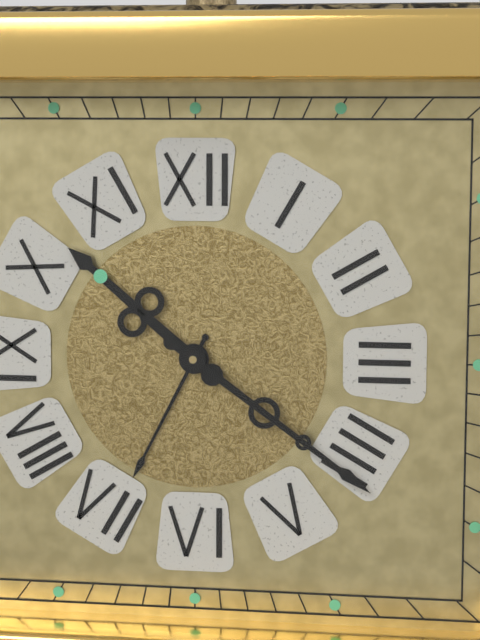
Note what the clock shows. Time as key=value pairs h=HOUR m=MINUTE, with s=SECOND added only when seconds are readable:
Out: h=10 m=21
